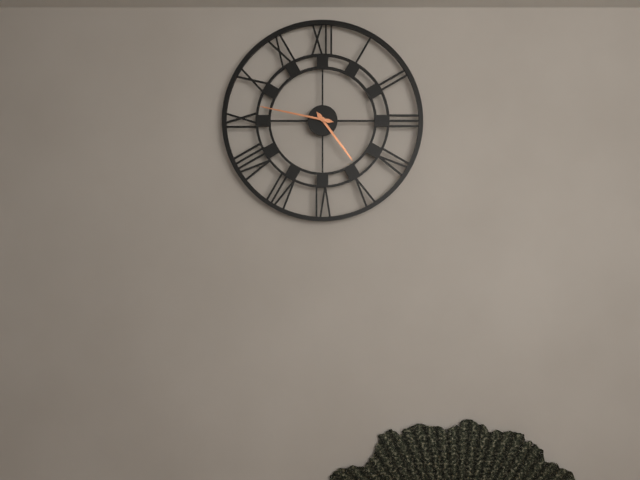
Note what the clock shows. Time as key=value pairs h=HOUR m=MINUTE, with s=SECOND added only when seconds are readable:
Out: h=4 m=47
